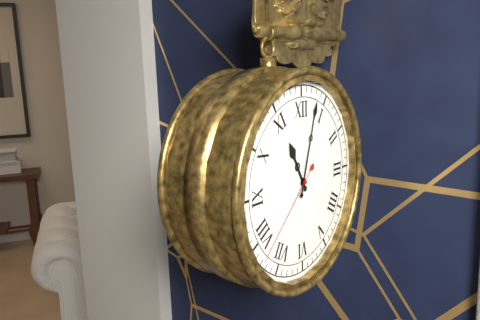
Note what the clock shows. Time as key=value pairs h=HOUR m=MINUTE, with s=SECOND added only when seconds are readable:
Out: h=11 m=3 s=38
